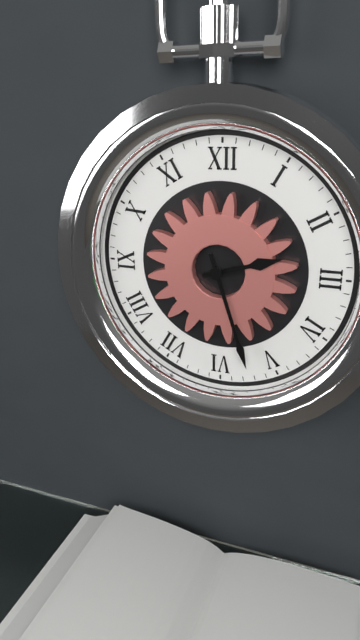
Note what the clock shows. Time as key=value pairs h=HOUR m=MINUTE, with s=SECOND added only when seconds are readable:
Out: h=2 m=27
